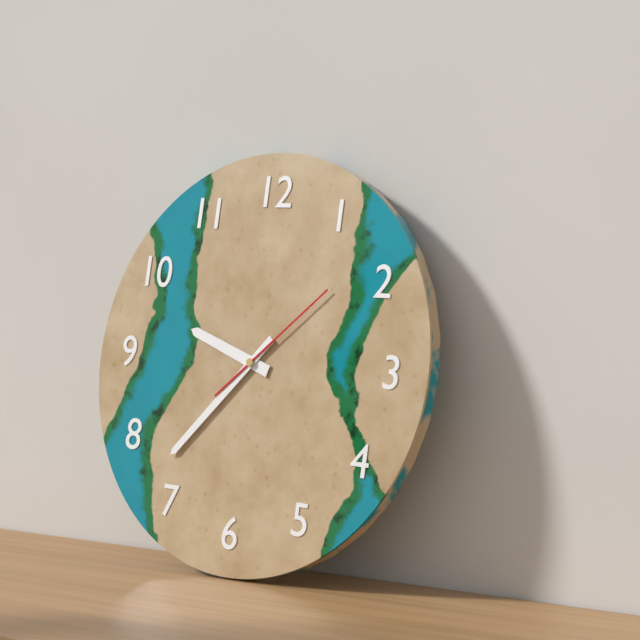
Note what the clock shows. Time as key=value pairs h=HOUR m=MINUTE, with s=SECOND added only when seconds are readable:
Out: h=9 m=37 s=8
